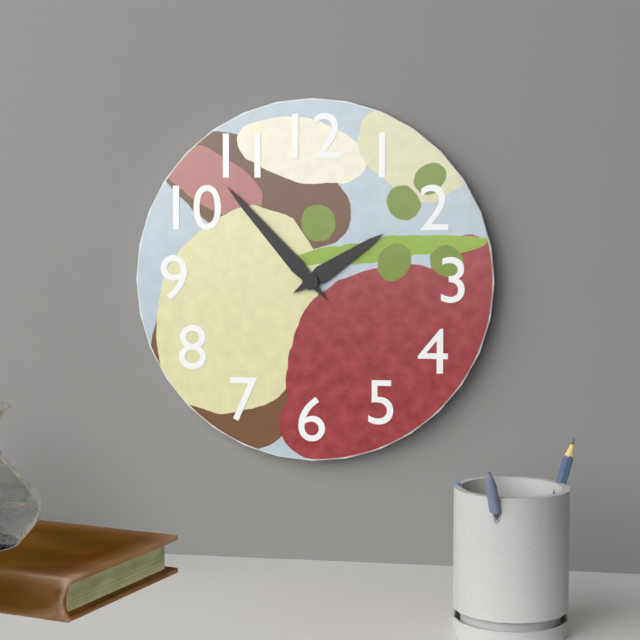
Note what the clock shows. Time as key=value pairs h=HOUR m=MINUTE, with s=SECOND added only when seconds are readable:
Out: h=1 m=53
